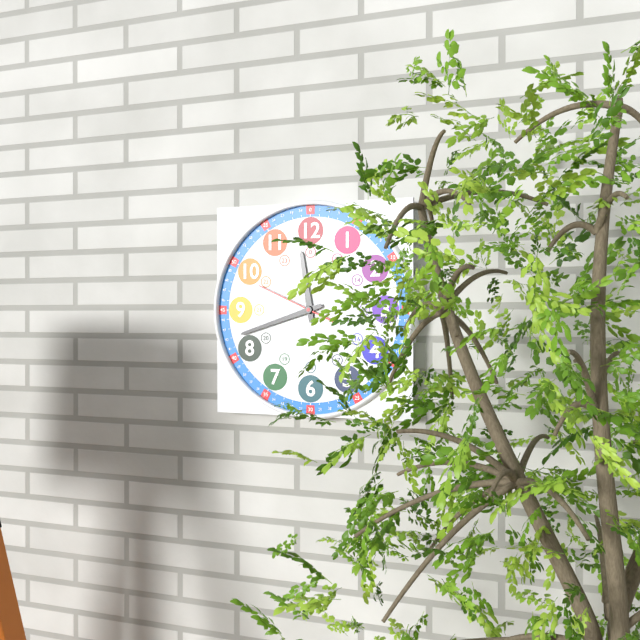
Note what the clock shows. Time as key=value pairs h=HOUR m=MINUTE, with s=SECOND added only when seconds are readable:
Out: h=11 m=42 s=49
